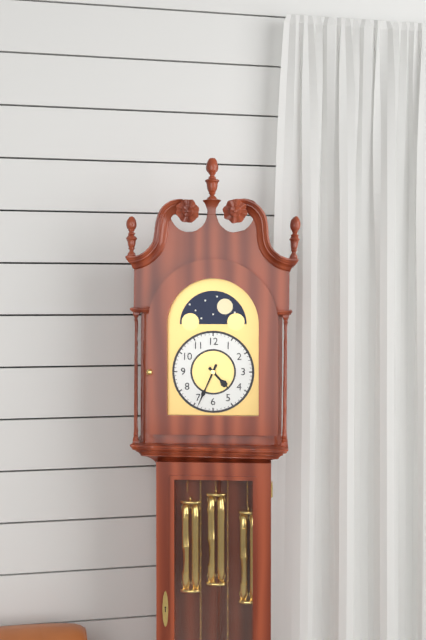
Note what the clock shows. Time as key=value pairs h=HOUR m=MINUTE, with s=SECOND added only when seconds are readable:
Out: h=4 m=34
